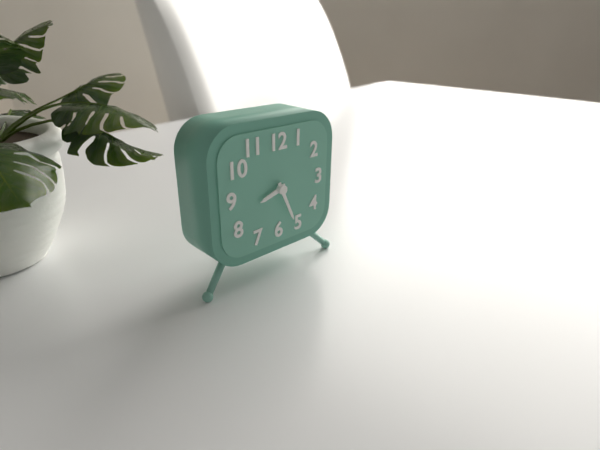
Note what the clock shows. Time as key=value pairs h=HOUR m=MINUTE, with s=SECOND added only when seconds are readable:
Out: h=8 m=26
